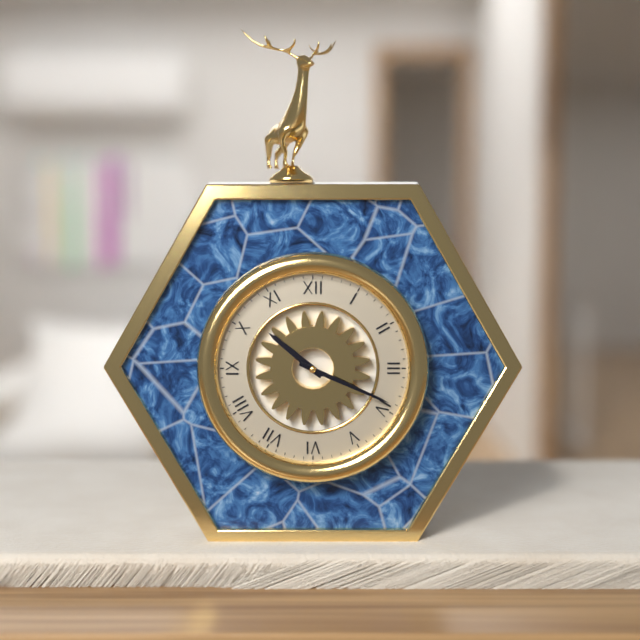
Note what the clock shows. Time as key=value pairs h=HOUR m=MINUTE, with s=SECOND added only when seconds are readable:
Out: h=10 m=19
